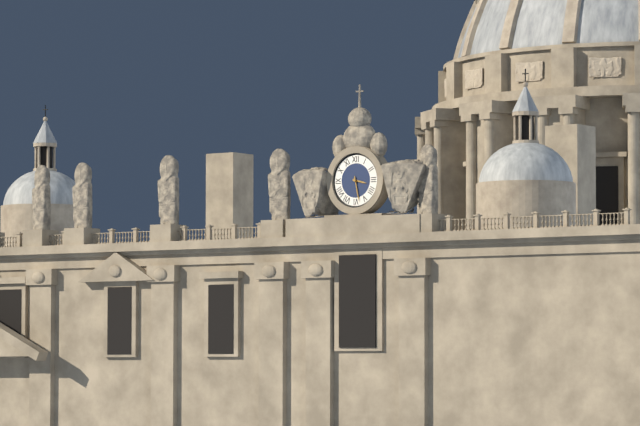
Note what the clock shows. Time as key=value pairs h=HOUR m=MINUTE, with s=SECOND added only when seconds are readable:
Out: h=3 m=28
